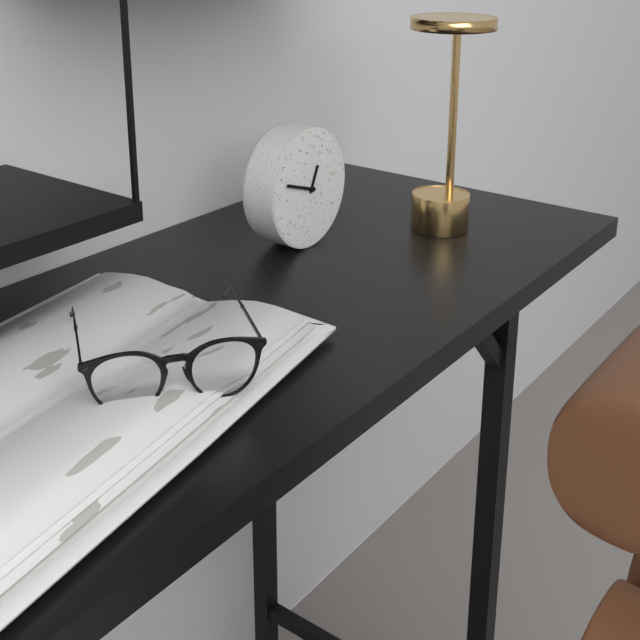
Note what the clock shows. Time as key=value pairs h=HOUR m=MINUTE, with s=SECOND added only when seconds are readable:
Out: h=12 m=48
